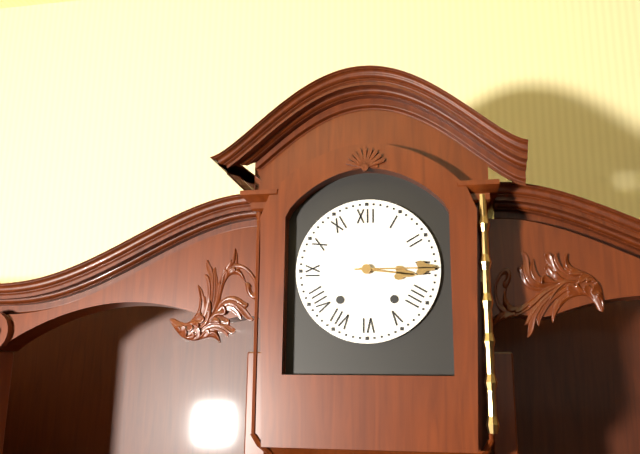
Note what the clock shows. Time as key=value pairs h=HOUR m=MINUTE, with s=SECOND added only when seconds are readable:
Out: h=3 m=15
